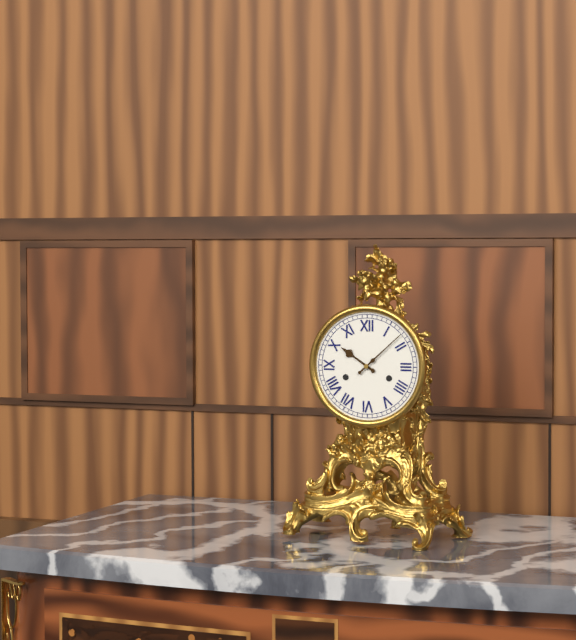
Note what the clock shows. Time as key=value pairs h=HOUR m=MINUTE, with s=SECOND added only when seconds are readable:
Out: h=10 m=8
